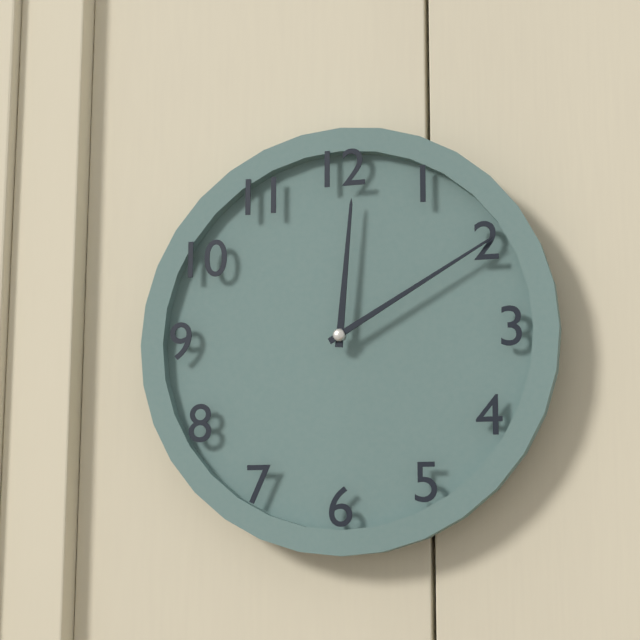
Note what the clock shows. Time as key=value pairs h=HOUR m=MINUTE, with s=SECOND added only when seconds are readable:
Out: h=12 m=10
